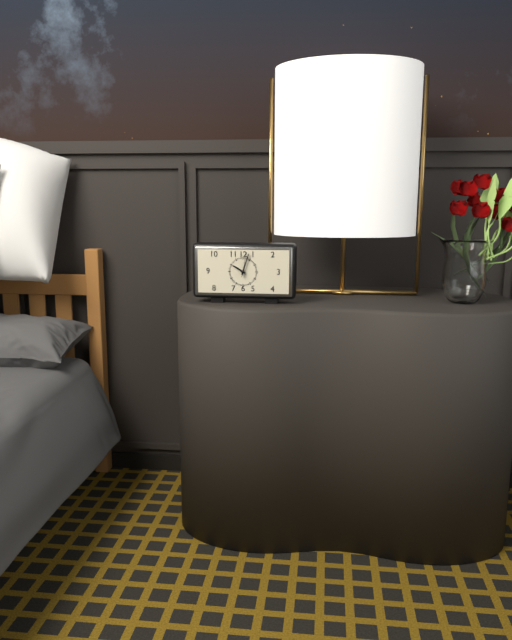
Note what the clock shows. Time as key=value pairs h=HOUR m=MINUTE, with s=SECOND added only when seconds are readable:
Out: h=10 m=3
